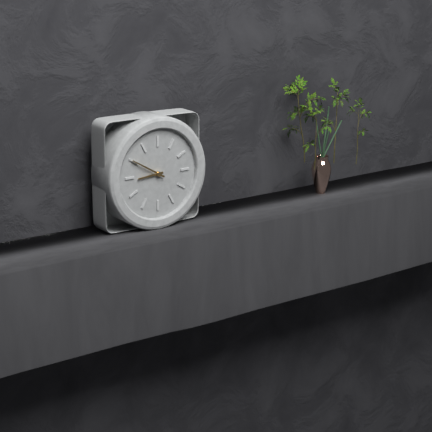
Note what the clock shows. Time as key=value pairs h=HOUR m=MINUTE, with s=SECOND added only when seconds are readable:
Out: h=8 m=50
